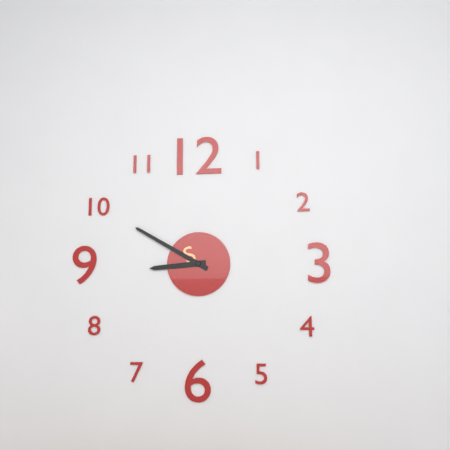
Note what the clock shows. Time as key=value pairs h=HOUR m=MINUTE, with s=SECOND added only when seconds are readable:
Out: h=8 m=50
